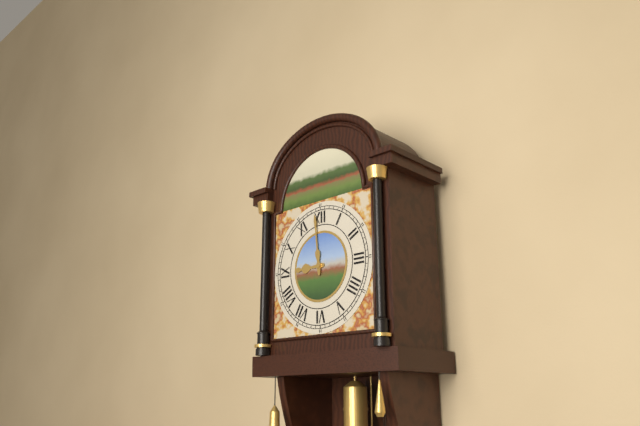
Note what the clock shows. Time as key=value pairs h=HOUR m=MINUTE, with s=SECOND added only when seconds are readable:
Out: h=8 m=59
